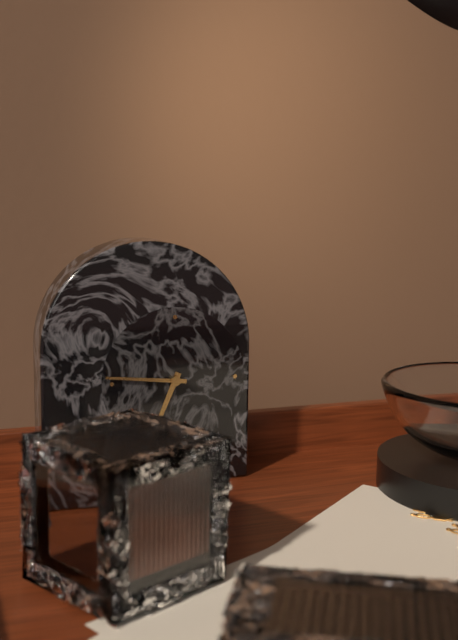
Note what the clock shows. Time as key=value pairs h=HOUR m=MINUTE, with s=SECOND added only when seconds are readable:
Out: h=6 m=46
